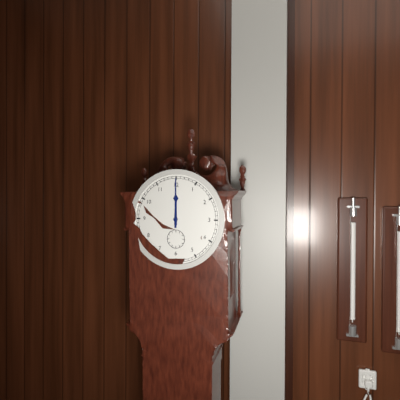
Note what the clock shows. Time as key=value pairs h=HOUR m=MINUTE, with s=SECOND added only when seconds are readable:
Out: h=12 m=0
